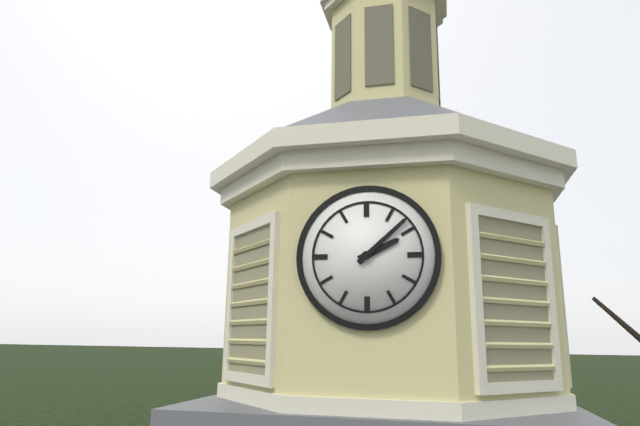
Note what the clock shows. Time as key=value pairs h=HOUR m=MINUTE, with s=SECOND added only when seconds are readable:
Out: h=2 m=8
